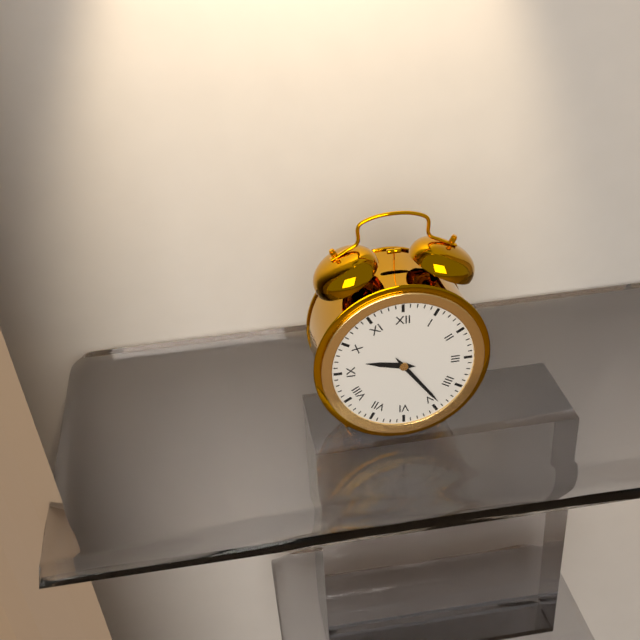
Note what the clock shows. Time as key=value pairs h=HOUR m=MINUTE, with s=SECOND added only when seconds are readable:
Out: h=9 m=24
